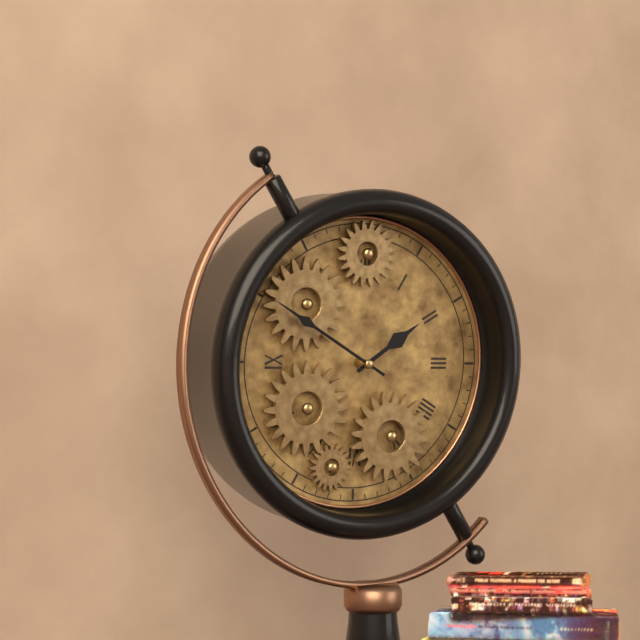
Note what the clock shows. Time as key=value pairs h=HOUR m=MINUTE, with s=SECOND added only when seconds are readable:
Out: h=1 m=50
